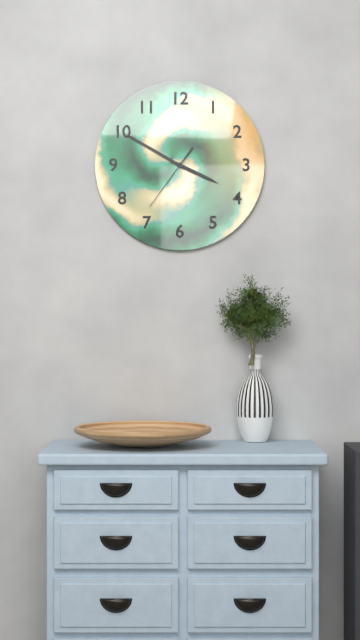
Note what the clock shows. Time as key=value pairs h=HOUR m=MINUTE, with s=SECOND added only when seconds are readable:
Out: h=3 m=50 s=36
